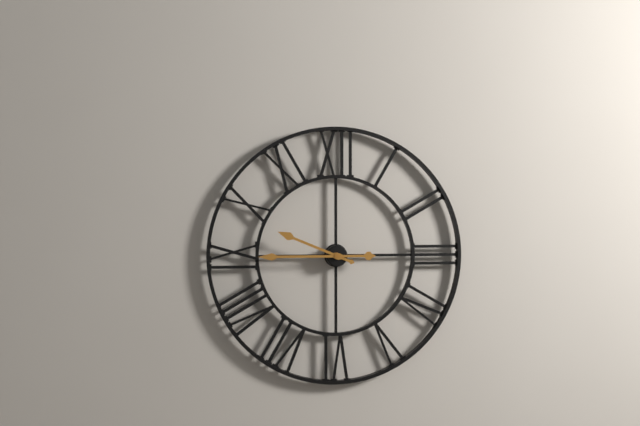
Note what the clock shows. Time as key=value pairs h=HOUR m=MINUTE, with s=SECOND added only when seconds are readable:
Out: h=9 m=45
